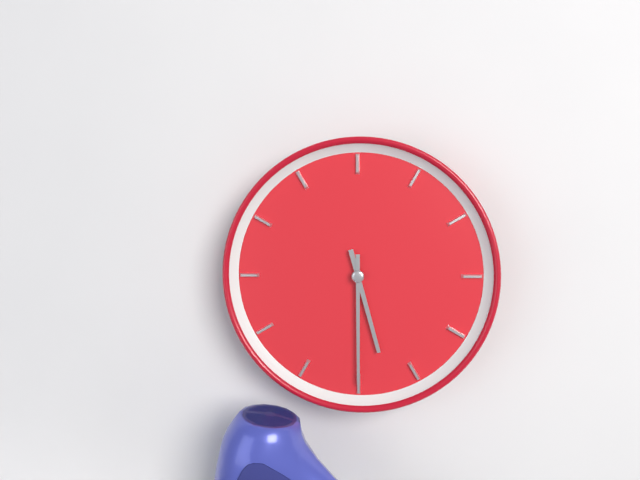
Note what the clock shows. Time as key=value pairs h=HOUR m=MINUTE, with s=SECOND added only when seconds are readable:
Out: h=5 m=30
